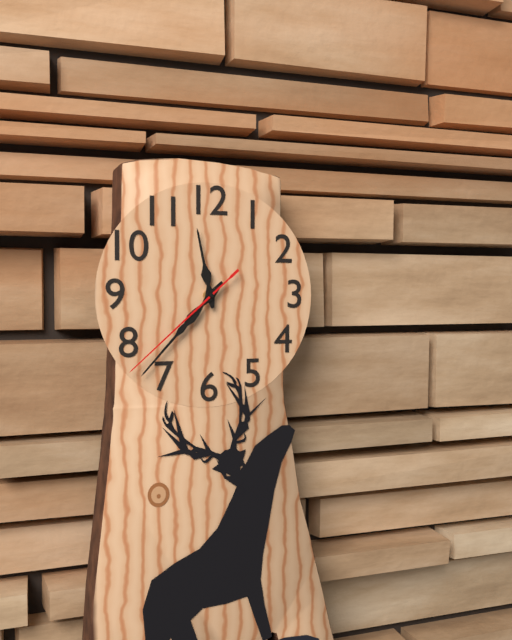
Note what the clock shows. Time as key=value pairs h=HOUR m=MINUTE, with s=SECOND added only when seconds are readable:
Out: h=11 m=37 s=38
